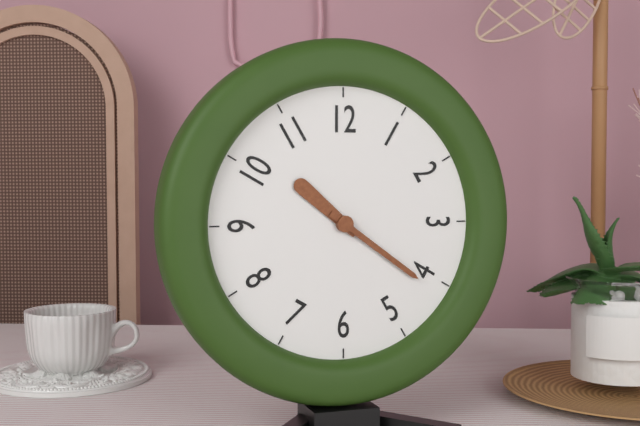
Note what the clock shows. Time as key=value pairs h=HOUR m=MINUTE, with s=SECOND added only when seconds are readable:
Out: h=10 m=21
